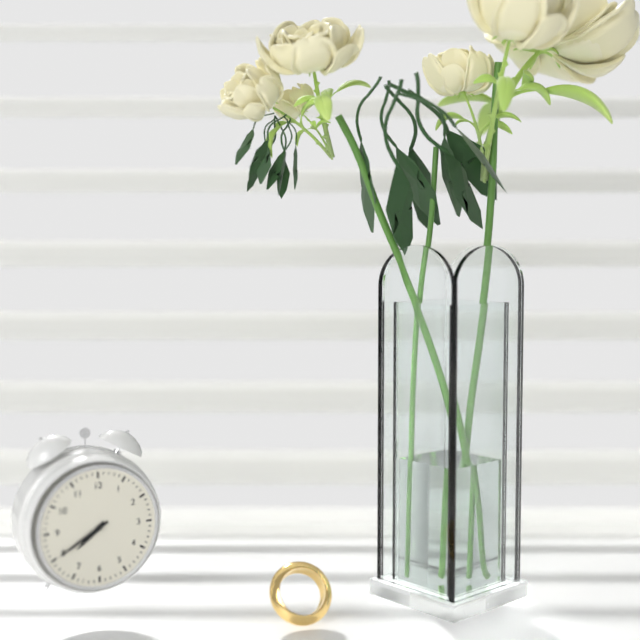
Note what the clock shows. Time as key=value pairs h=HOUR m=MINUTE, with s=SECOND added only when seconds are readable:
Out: h=7 m=40
